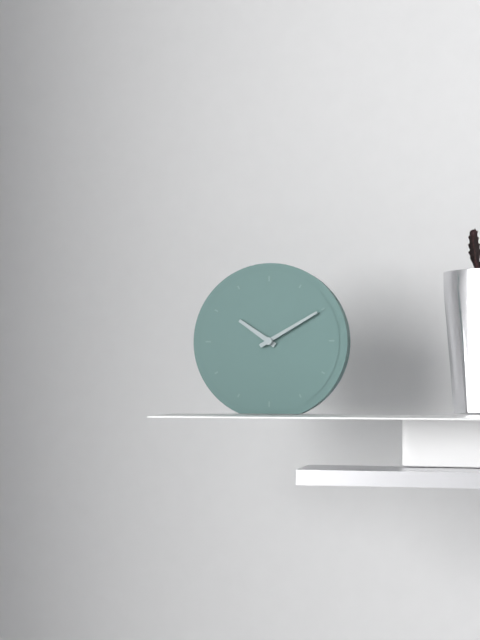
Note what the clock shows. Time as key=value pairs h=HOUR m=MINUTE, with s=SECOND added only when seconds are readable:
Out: h=10 m=10
